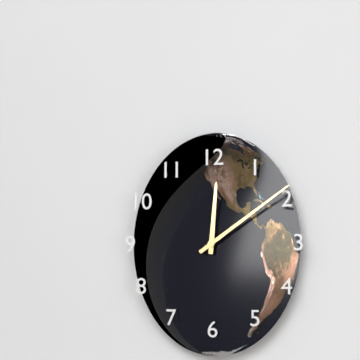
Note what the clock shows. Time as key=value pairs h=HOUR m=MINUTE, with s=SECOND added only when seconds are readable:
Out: h=12 m=9
